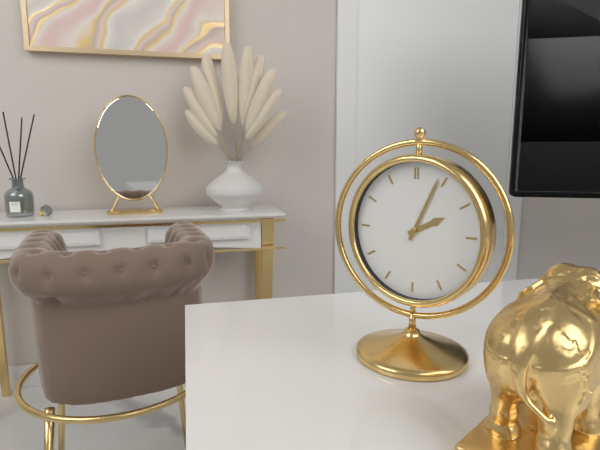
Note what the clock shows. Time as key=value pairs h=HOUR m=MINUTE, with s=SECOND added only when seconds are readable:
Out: h=2 m=4
